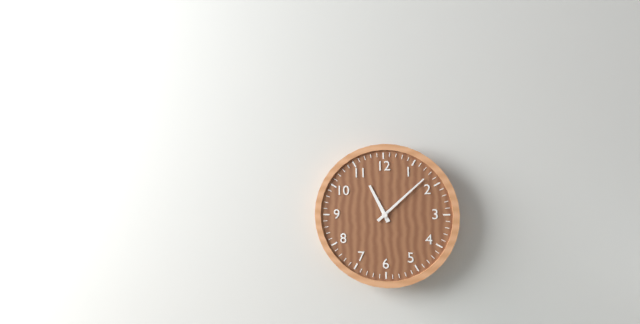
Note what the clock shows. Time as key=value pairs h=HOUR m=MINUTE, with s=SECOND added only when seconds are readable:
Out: h=11 m=8
